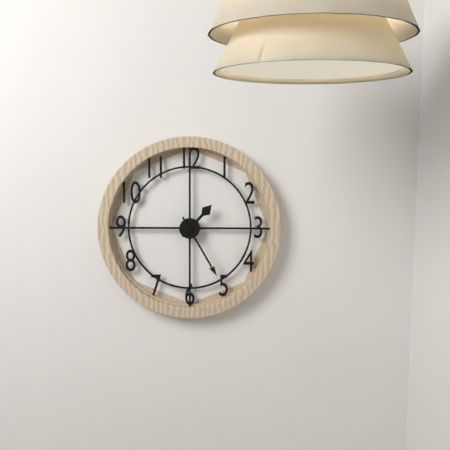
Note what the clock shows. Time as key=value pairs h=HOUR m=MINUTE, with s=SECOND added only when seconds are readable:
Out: h=1 m=25
